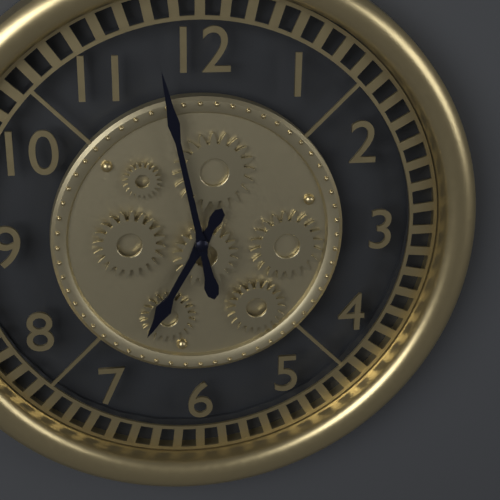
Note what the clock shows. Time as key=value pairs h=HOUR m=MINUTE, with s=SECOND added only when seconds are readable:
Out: h=6 m=58
